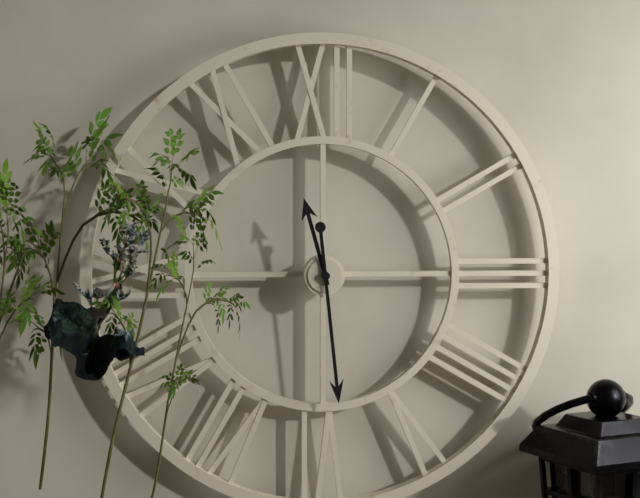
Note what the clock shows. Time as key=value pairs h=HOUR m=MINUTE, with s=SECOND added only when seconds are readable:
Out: h=11 m=29
